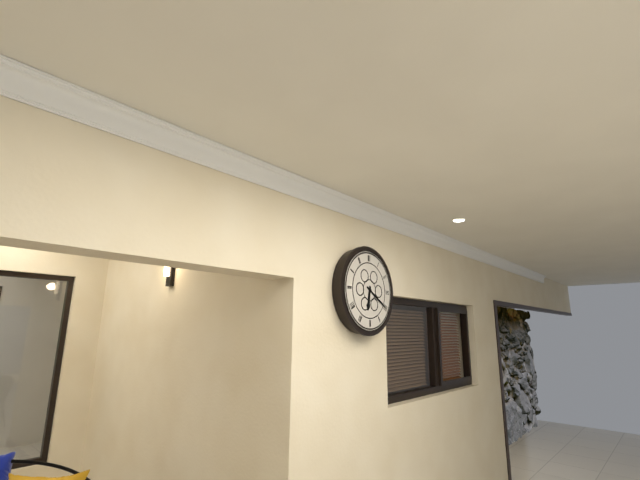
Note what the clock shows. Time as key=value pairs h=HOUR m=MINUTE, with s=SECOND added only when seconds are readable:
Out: h=6 m=20
